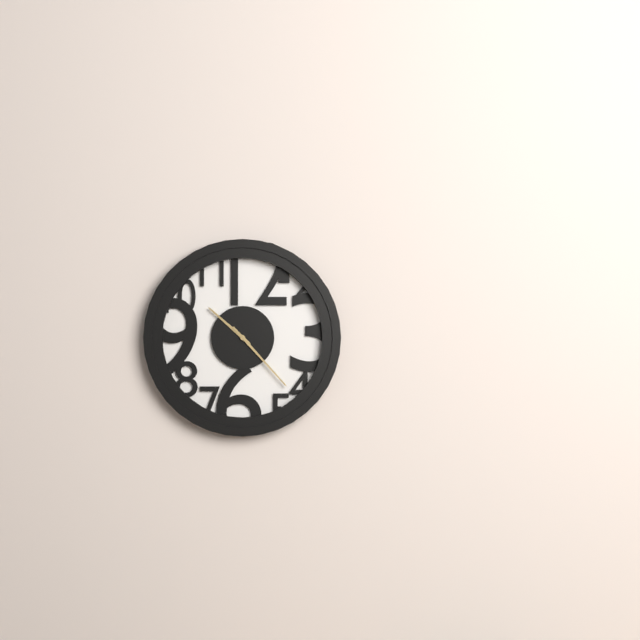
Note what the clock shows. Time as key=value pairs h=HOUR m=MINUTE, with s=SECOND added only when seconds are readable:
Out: h=10 m=23
